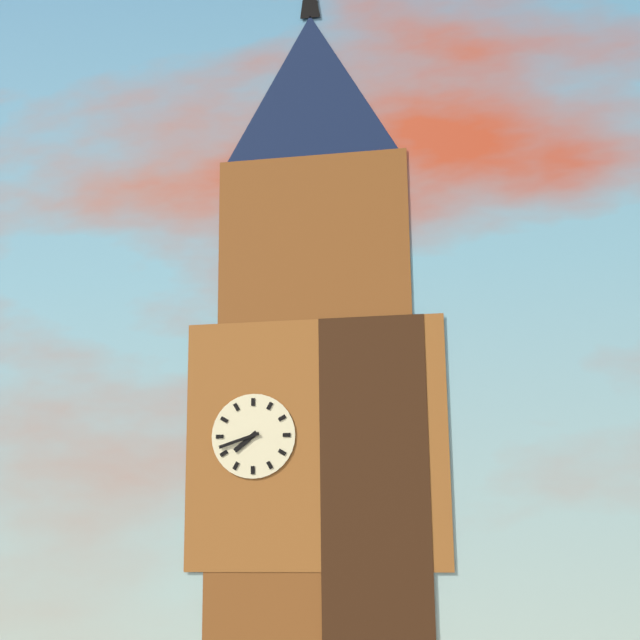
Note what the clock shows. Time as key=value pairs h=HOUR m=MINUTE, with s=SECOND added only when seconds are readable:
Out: h=7 m=42
